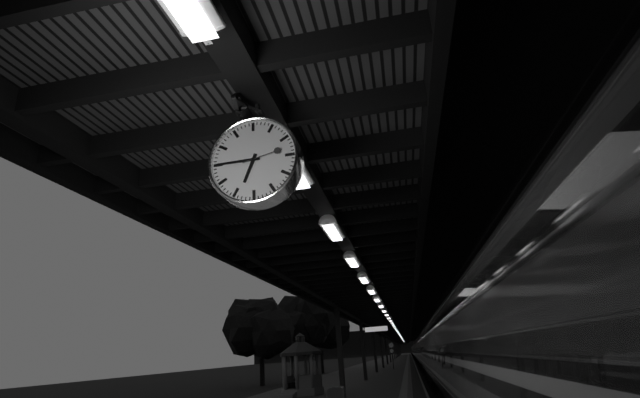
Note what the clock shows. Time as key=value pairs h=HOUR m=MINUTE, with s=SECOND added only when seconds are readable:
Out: h=6 m=45
